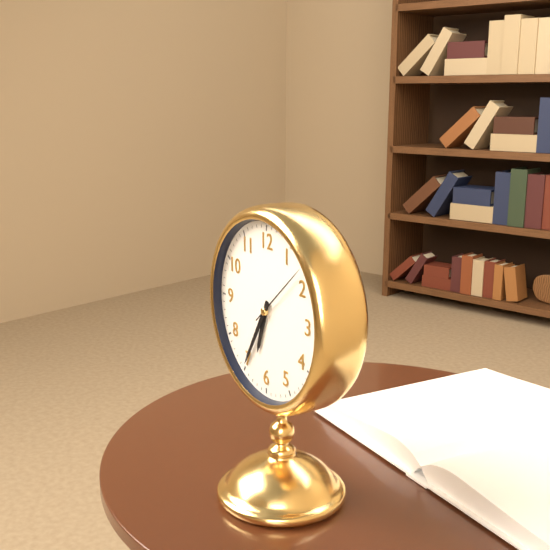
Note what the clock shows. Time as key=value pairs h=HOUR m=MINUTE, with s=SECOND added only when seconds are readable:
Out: h=6 m=35 s=8
